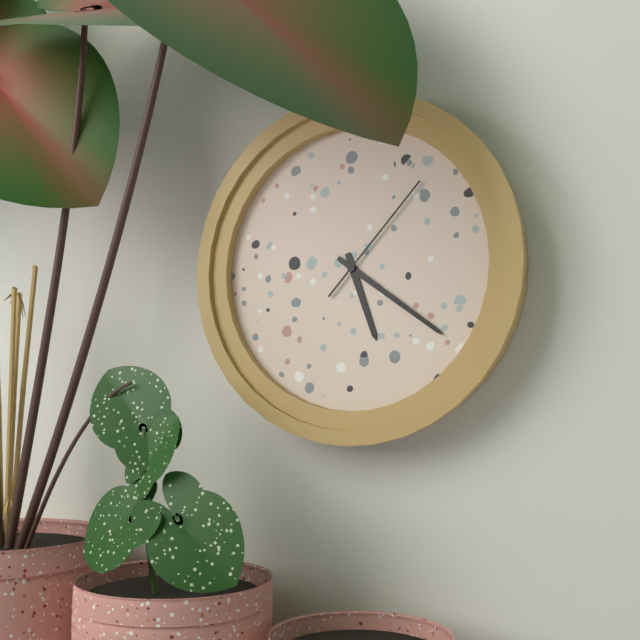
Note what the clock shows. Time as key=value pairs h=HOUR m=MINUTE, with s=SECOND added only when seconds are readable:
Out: h=5 m=21 s=7
